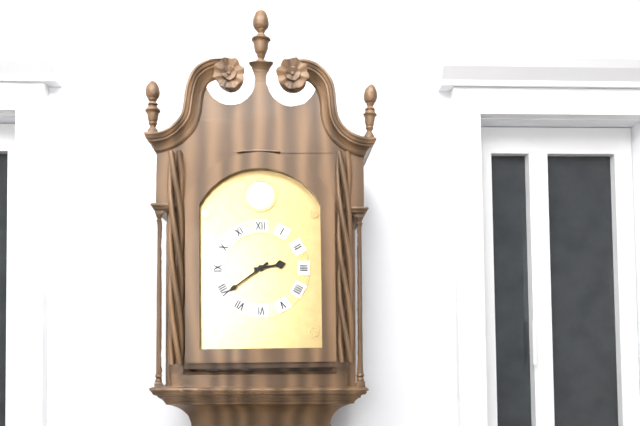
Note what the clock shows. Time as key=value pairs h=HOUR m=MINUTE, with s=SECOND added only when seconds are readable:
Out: h=2 m=39
